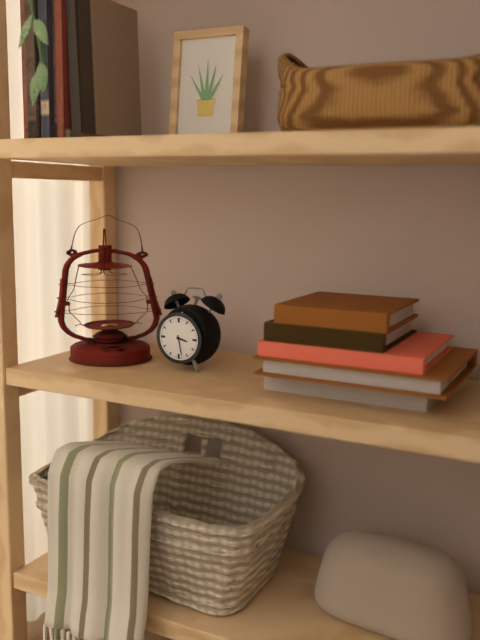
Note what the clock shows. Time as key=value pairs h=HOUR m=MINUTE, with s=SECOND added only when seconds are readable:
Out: h=3 m=28
